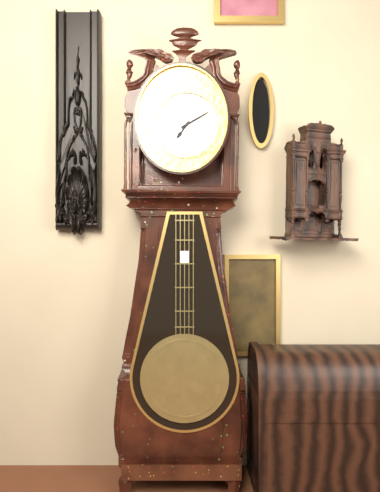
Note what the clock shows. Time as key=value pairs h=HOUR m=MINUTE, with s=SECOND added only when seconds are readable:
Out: h=7 m=10
